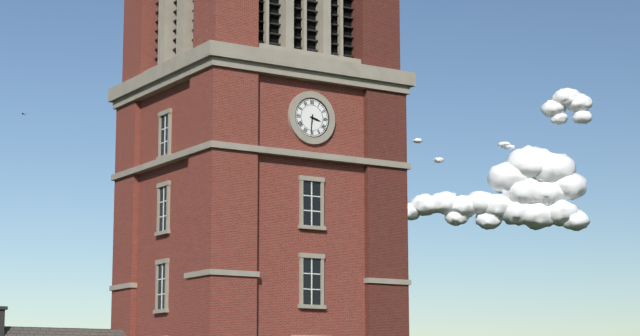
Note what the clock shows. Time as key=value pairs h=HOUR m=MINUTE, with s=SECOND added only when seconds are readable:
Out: h=3 m=31
